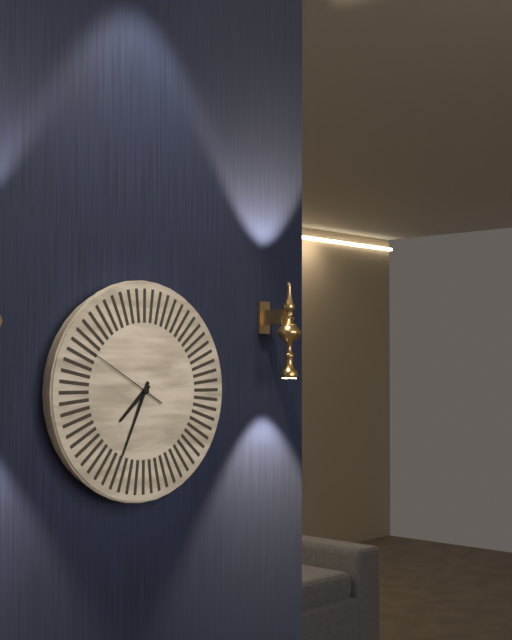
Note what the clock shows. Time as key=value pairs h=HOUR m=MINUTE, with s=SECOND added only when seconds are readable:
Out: h=7 m=34 s=50
